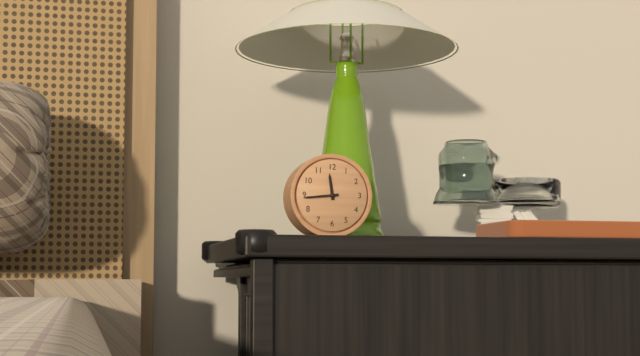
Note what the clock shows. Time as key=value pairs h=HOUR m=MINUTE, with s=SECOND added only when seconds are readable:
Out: h=11 m=44
